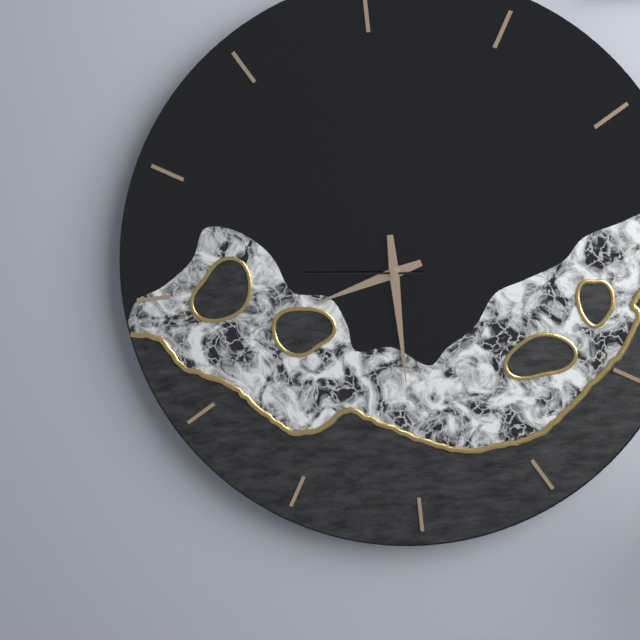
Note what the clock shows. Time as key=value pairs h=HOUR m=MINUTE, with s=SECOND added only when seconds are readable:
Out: h=8 m=30 s=46
